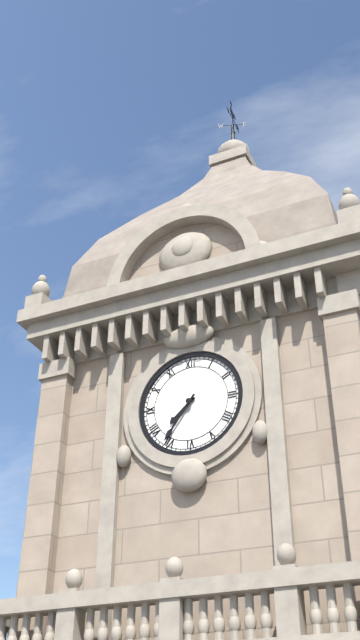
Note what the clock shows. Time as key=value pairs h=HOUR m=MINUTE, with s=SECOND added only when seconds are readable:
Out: h=7 m=36
